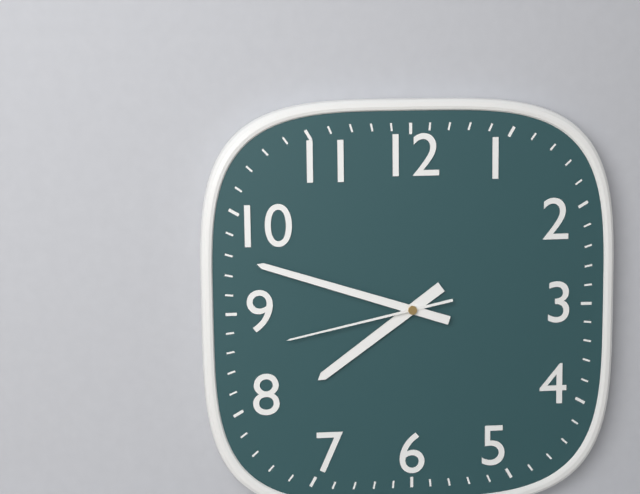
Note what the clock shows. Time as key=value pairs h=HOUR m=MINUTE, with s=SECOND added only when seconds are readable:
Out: h=7 m=48 s=43
